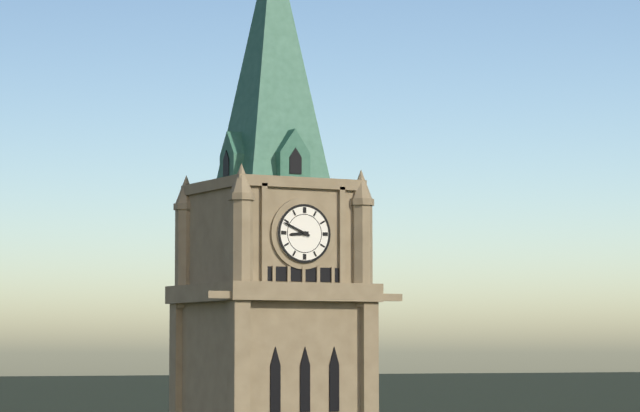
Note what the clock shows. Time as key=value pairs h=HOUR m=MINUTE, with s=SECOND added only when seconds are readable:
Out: h=8 m=49
